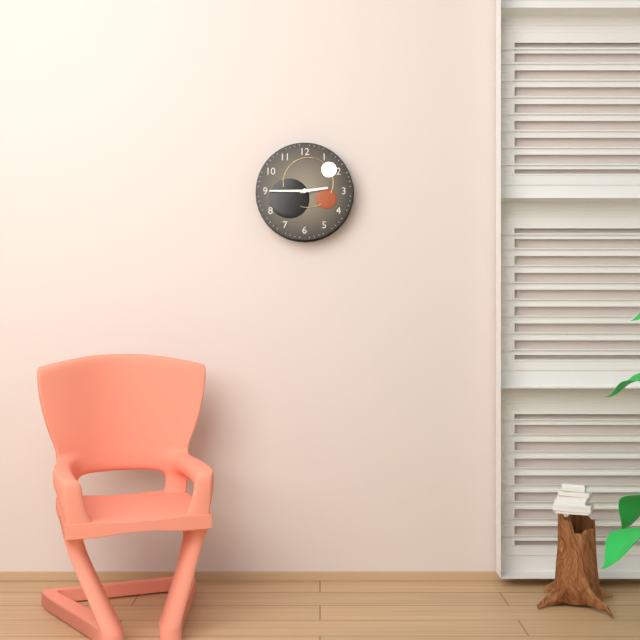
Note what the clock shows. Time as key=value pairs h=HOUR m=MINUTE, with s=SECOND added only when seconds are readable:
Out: h=2 m=45
